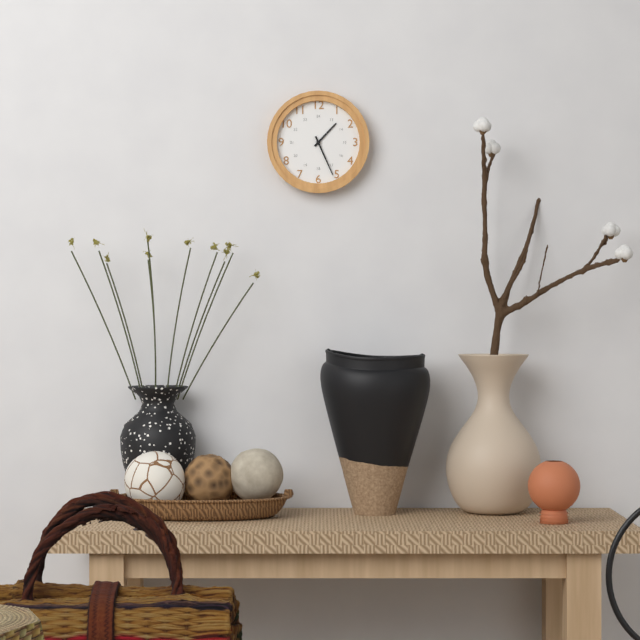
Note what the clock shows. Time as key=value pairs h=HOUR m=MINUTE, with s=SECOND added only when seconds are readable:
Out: h=1 m=26
